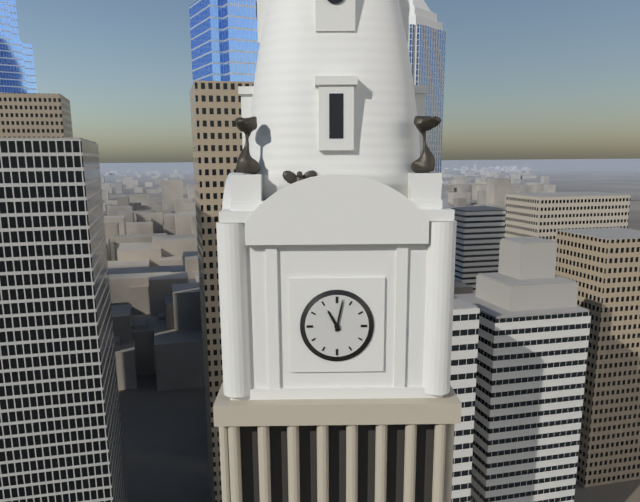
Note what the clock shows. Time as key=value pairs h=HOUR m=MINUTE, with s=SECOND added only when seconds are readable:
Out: h=11 m=2
